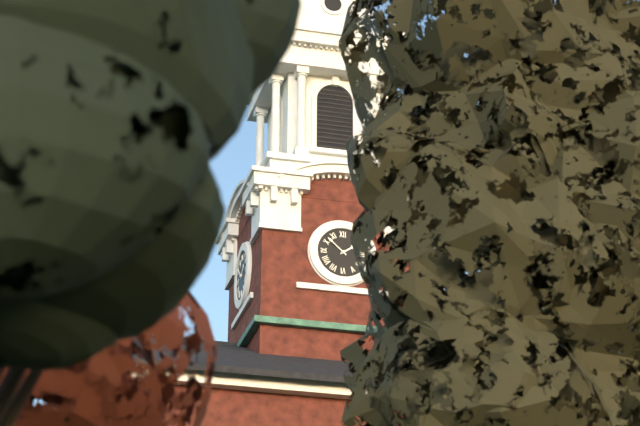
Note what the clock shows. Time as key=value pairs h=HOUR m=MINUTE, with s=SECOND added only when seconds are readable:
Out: h=1 m=52
